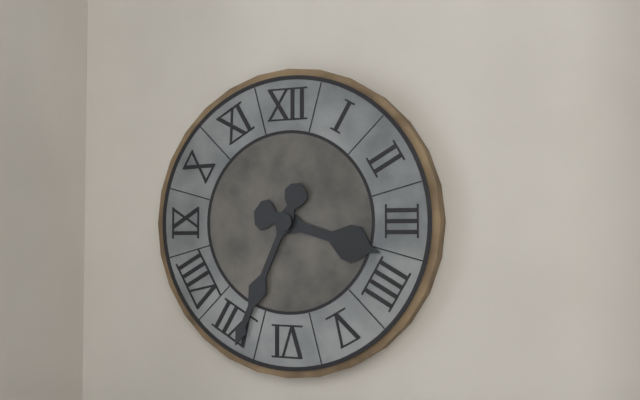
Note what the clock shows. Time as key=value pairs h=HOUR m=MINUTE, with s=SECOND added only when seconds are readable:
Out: h=3 m=34
